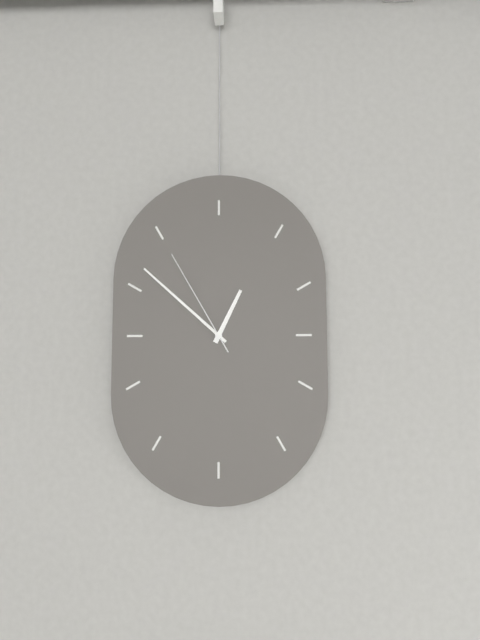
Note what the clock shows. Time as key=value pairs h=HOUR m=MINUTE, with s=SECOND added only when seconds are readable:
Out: h=12 m=52 s=55
